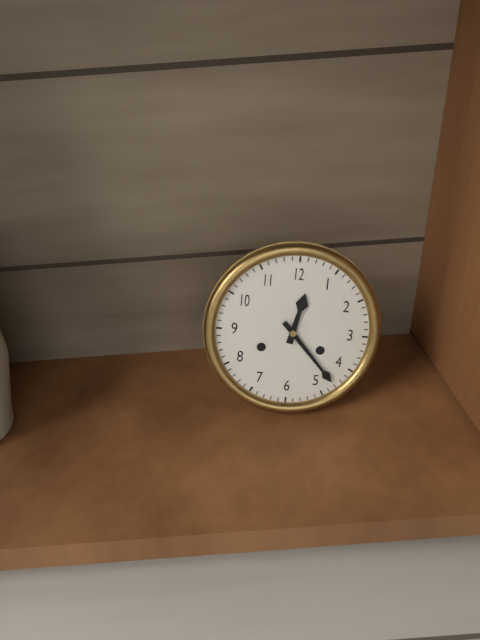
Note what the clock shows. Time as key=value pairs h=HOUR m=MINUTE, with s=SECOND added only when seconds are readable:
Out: h=12 m=23
